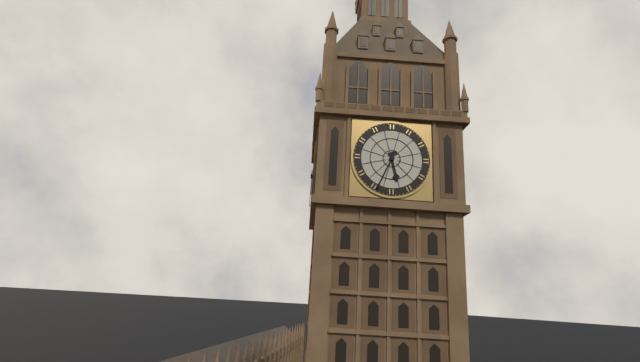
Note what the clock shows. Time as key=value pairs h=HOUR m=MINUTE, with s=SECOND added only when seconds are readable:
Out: h=5 m=34
